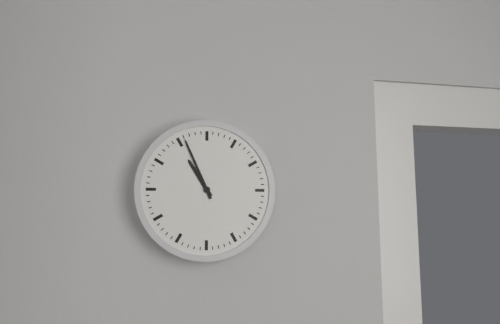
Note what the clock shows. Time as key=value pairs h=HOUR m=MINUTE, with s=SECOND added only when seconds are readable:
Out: h=10 m=56
